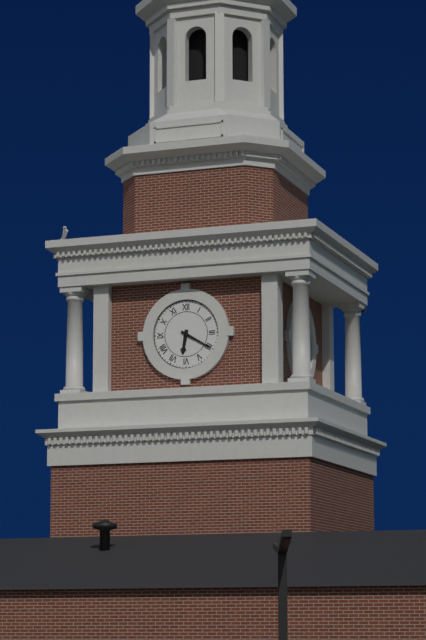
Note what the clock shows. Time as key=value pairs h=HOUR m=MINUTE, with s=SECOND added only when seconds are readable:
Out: h=6 m=20
